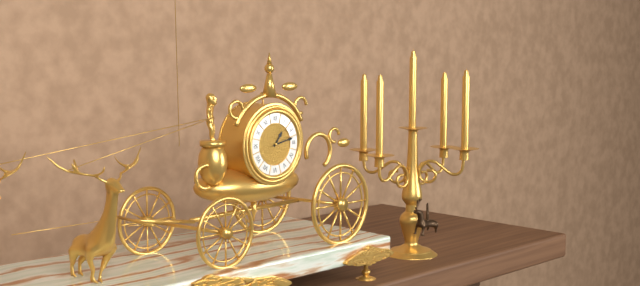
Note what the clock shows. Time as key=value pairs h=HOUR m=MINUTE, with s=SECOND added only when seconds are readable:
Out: h=1 m=13
